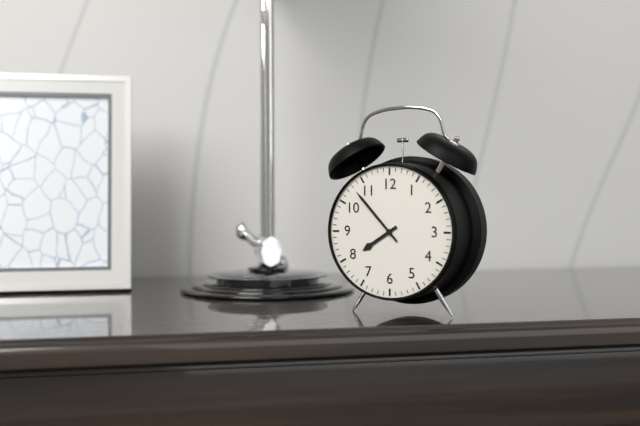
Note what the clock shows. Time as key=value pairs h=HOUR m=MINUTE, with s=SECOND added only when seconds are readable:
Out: h=7 m=53
